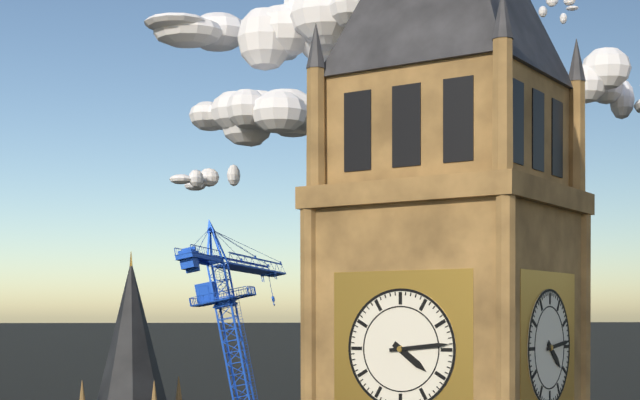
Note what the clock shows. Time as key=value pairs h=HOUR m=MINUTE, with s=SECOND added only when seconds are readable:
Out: h=4 m=14
